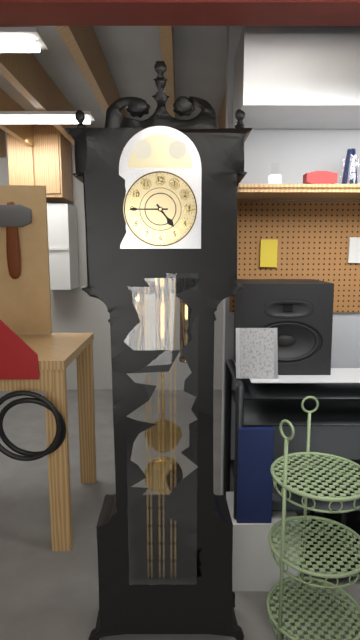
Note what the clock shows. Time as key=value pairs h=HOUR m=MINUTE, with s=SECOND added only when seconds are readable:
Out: h=4 m=45
